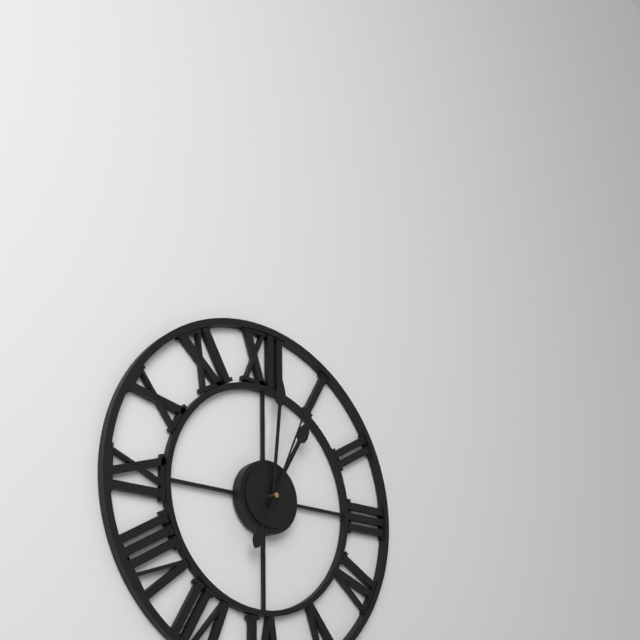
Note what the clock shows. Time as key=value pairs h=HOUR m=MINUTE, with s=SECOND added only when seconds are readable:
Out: h=1 m=1 s=4
